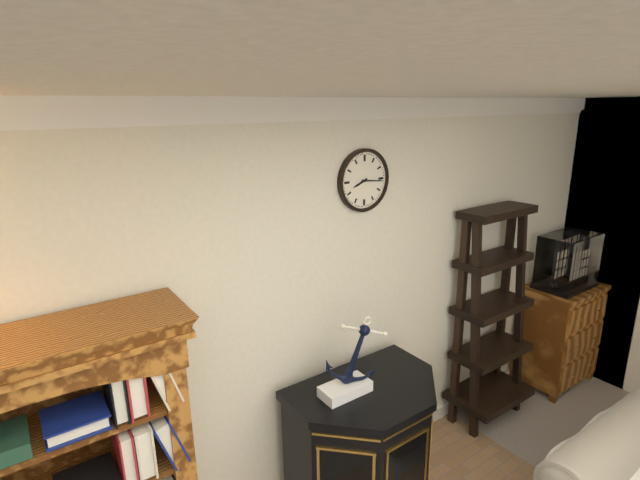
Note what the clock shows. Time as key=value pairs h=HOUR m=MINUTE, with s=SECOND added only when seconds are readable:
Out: h=8 m=16
